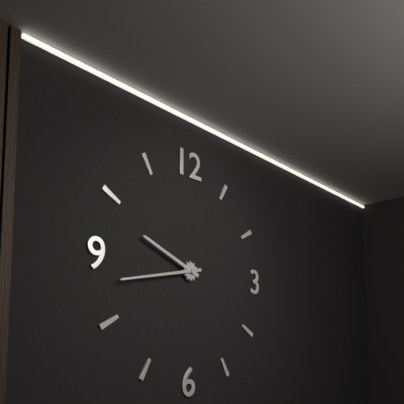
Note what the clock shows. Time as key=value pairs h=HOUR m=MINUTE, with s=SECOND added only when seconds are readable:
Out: h=9 m=43
